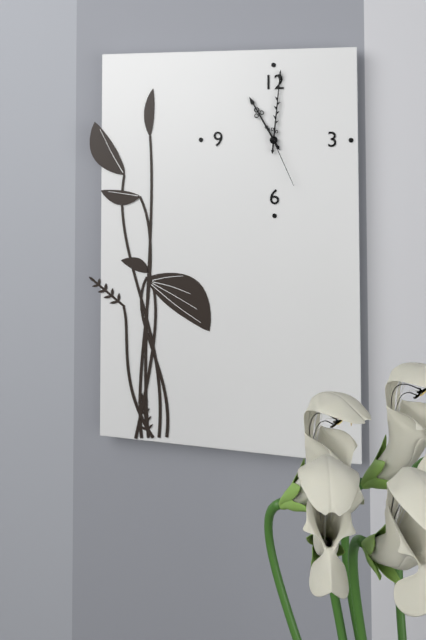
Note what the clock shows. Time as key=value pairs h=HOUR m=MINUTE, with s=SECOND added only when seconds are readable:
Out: h=11 m=1 s=26
